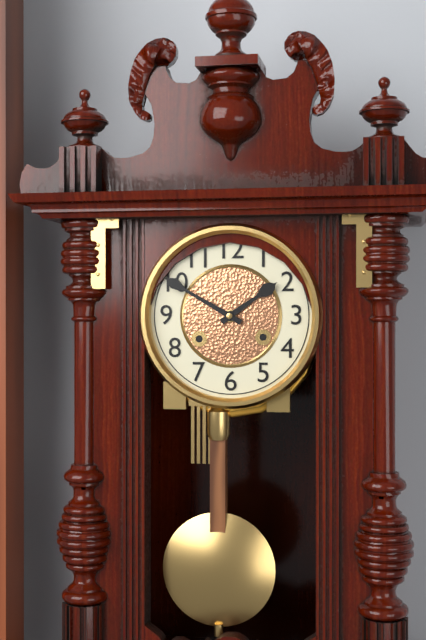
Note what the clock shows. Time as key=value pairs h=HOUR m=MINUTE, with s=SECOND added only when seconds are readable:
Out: h=1 m=50
